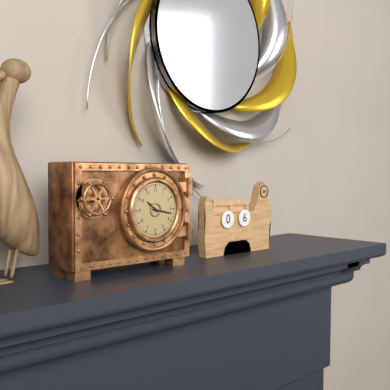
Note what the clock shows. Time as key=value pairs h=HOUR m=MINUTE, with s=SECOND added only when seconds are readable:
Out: h=10 m=17
